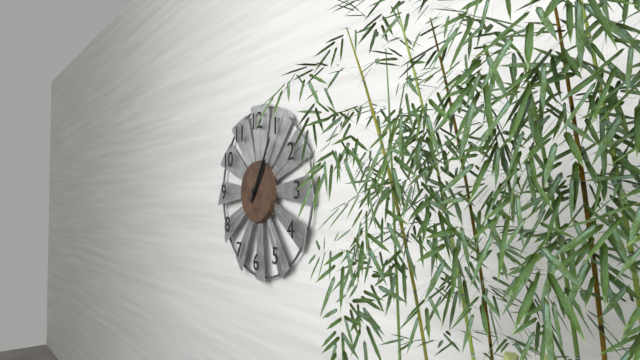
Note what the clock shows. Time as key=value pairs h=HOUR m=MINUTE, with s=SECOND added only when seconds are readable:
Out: h=1 m=5
